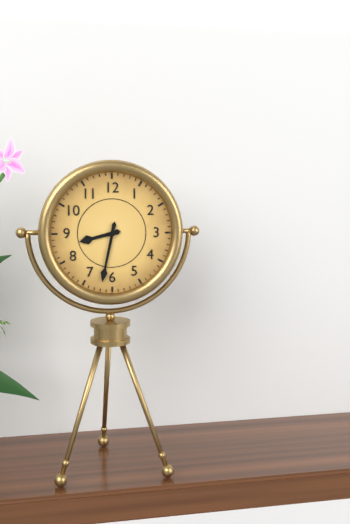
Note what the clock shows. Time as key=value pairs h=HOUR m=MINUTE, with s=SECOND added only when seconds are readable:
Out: h=8 m=32
